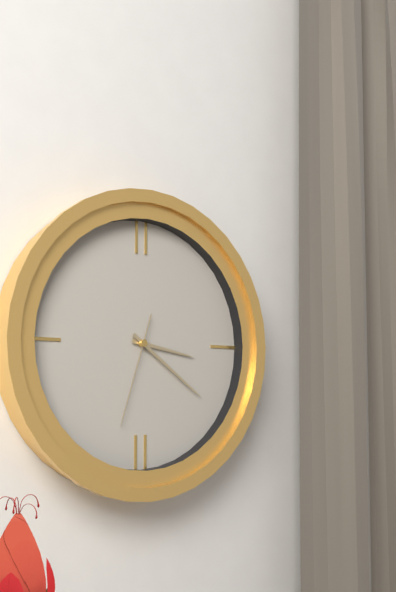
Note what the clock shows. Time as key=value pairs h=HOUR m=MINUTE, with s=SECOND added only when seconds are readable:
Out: h=3 m=21 s=33
